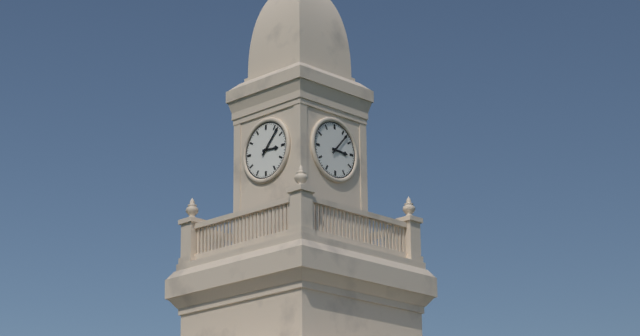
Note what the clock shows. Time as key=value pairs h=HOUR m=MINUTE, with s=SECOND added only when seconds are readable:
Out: h=3 m=7
